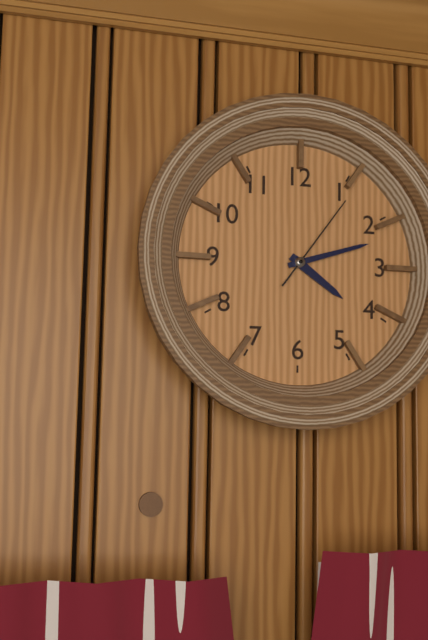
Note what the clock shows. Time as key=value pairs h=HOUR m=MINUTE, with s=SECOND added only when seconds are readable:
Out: h=4 m=12 s=6
